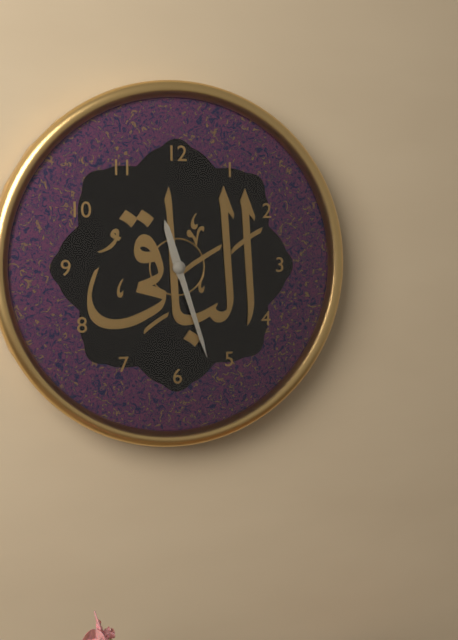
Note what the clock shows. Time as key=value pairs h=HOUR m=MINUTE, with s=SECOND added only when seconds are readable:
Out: h=11 m=27
